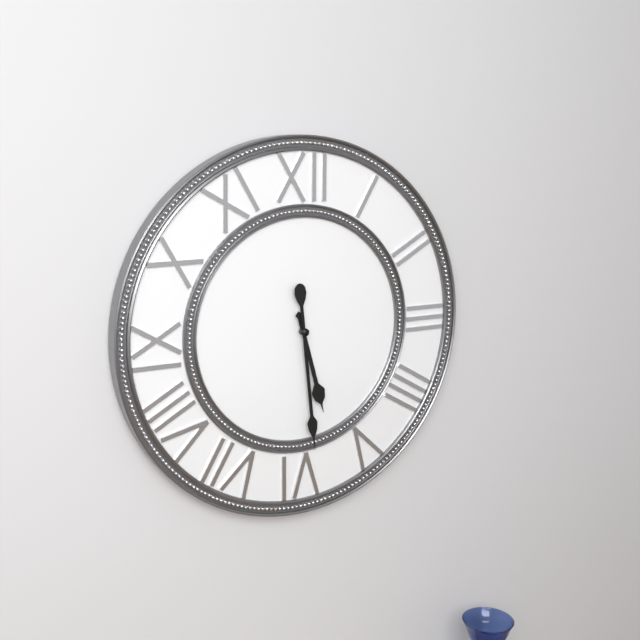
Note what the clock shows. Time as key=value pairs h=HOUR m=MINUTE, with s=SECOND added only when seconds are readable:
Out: h=5 m=29
